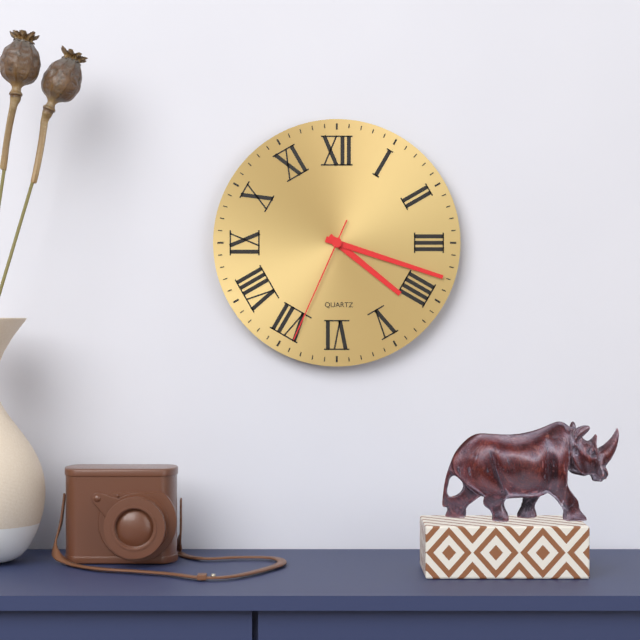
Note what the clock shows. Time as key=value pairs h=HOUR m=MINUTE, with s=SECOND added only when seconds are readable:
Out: h=4 m=18 s=34
